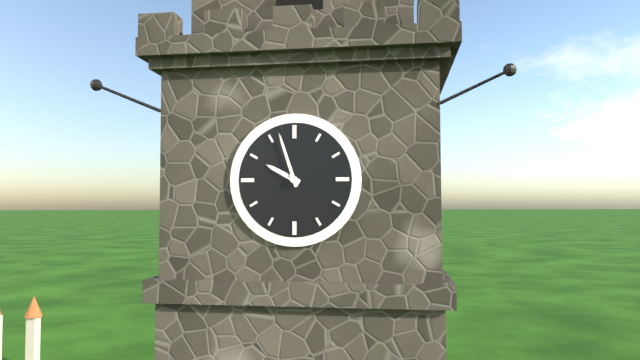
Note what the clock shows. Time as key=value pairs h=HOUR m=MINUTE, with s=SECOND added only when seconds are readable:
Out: h=9 m=57
